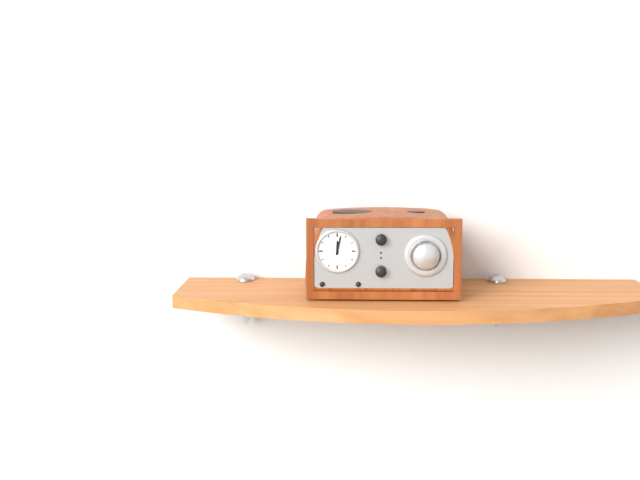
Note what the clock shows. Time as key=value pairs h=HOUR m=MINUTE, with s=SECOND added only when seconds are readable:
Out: h=12 m=2
